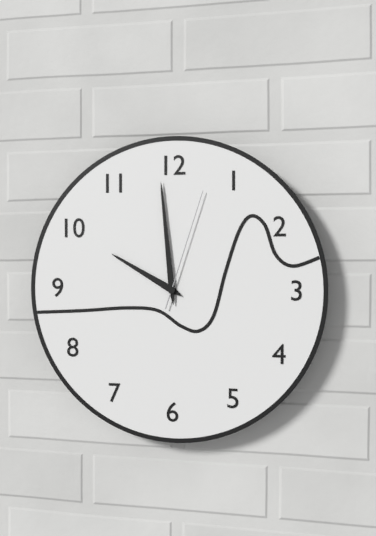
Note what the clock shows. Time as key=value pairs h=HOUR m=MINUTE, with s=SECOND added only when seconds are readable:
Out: h=9 m=59 s=3
